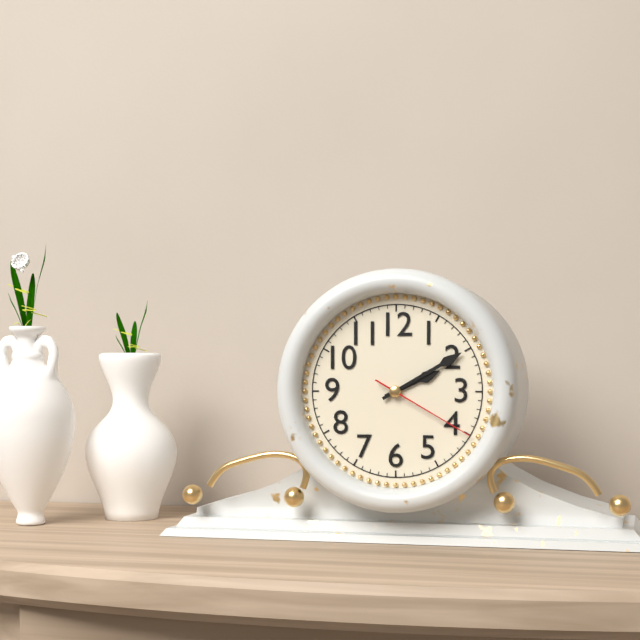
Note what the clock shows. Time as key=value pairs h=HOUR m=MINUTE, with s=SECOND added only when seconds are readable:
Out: h=2 m=10 s=20
